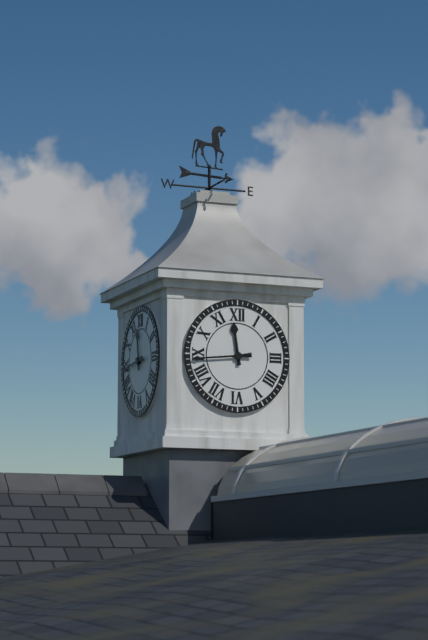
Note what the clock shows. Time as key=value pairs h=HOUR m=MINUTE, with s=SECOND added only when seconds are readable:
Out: h=11 m=44
